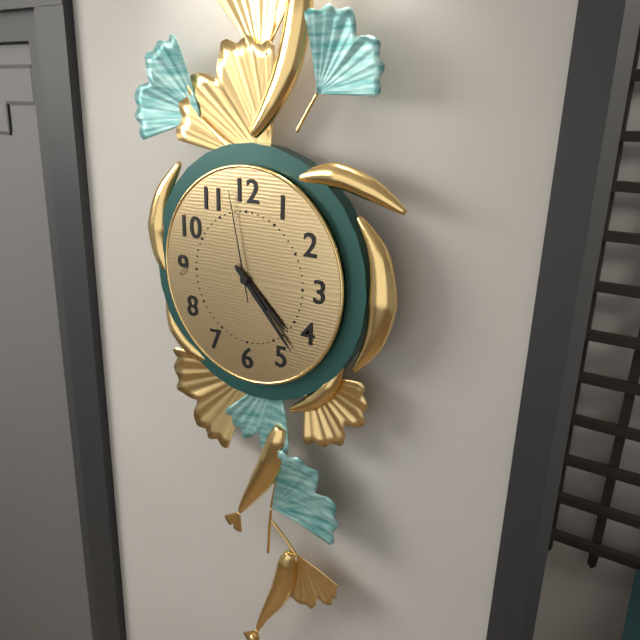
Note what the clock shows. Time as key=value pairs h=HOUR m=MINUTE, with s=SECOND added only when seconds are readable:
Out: h=4 m=23 s=58
